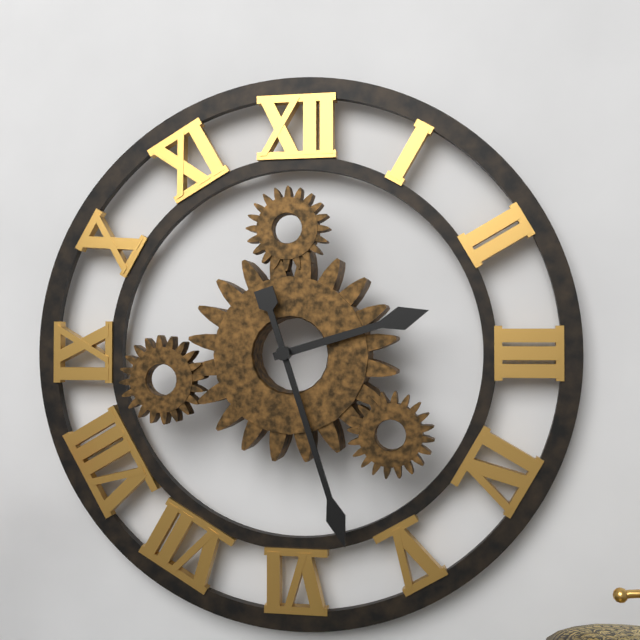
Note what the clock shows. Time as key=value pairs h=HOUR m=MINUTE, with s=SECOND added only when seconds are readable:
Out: h=2 m=27
